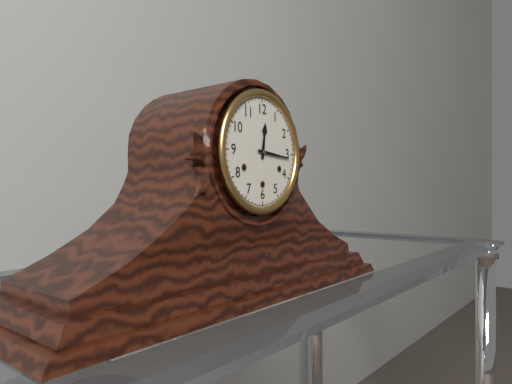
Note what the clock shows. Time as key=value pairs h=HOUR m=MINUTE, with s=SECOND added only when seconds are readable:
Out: h=12 m=16
